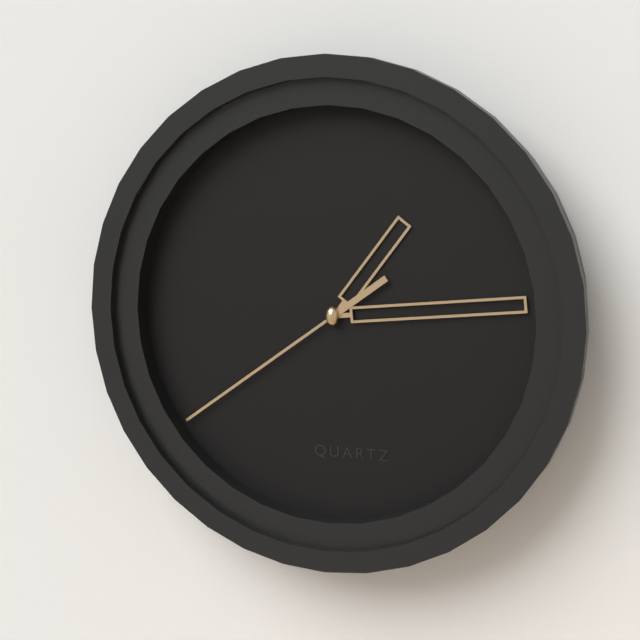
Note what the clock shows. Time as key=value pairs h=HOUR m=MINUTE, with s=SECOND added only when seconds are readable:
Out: h=1 m=14 s=39
